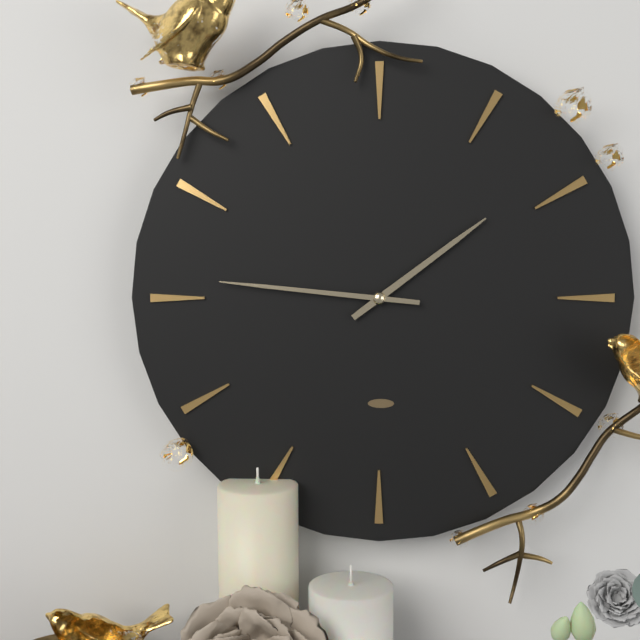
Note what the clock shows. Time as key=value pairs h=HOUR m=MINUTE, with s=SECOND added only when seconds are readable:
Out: h=1 m=46
